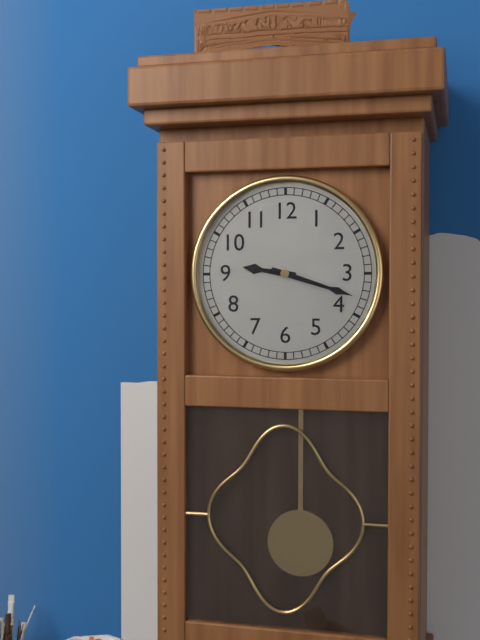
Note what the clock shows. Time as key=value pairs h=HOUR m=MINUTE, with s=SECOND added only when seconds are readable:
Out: h=9 m=18
